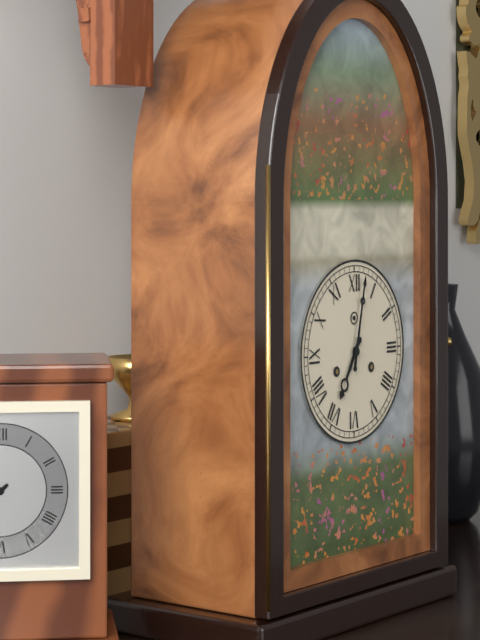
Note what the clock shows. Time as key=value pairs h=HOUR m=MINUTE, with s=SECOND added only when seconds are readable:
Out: h=7 m=2
